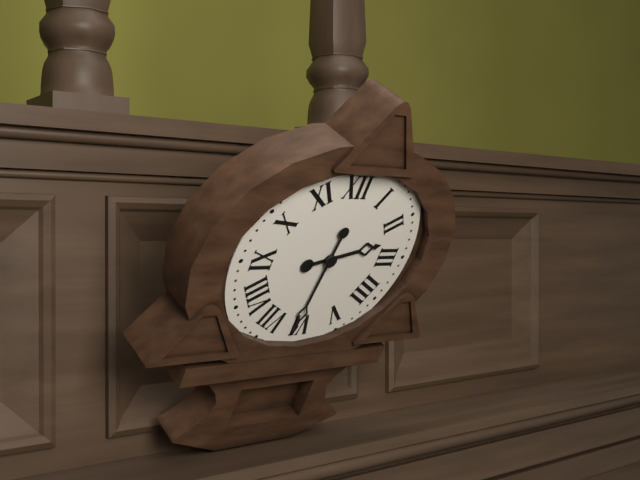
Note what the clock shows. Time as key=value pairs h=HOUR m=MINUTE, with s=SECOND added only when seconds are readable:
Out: h=2 m=31
